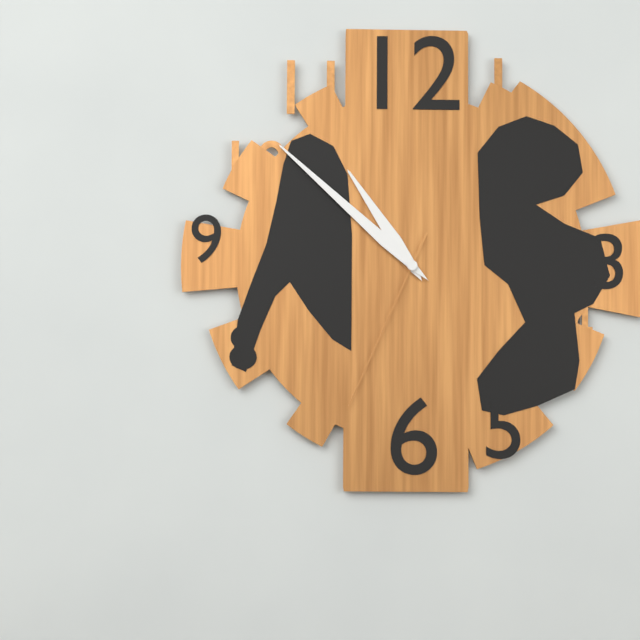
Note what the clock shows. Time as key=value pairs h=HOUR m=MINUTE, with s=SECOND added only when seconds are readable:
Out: h=10 m=52 s=34
